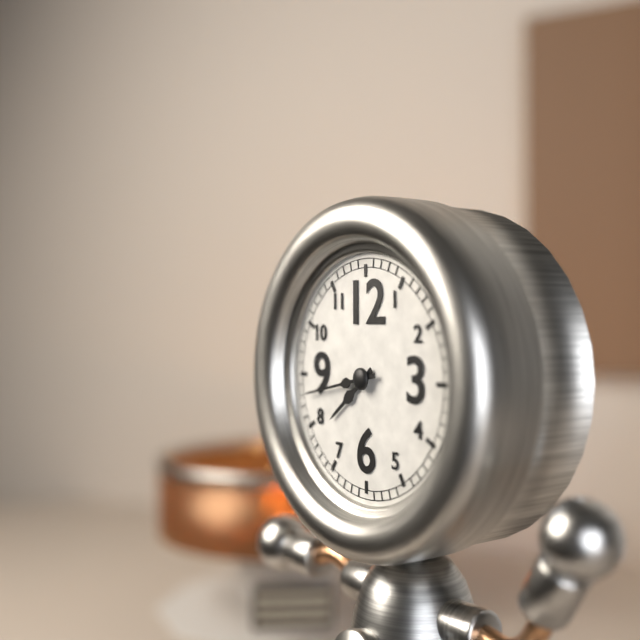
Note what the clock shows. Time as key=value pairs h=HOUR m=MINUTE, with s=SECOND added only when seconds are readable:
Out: h=7 m=43
